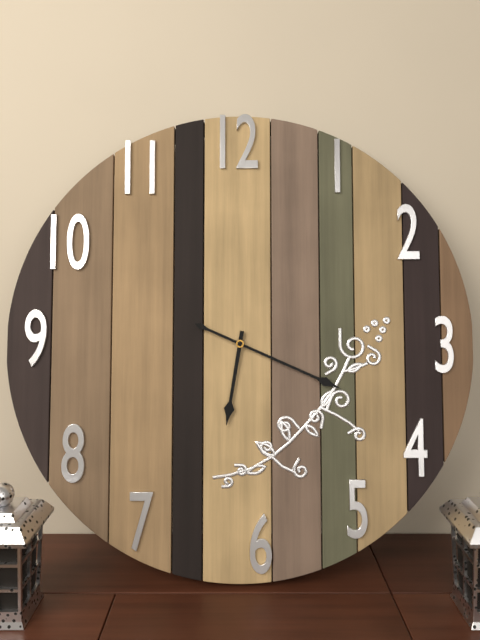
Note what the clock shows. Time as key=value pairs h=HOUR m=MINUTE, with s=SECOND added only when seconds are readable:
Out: h=6 m=19
